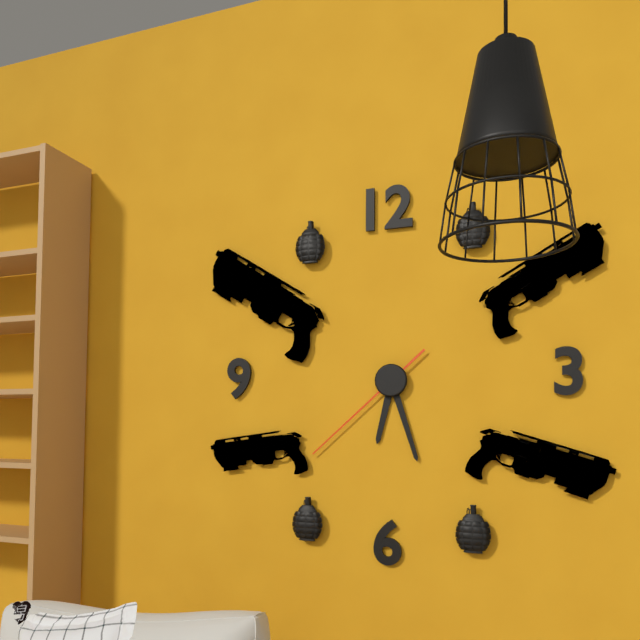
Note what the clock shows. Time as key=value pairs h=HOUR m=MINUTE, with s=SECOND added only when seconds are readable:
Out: h=6 m=27 s=38
